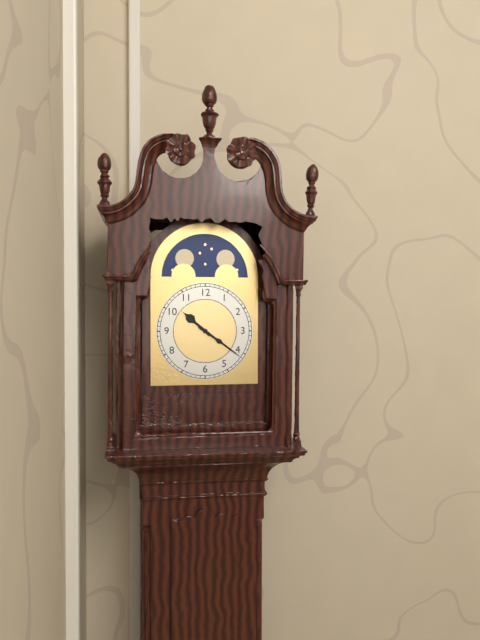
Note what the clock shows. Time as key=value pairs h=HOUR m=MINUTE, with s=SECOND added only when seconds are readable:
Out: h=10 m=21
